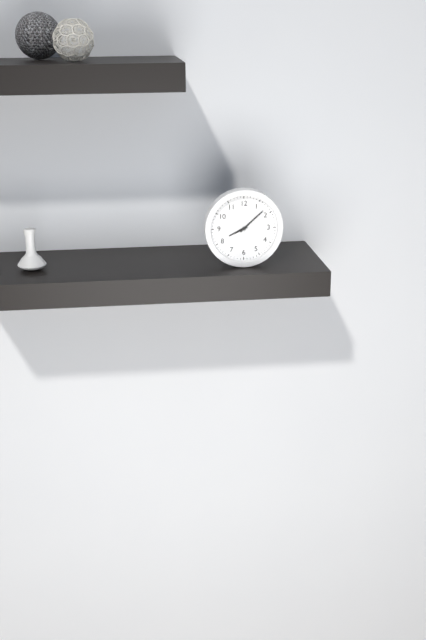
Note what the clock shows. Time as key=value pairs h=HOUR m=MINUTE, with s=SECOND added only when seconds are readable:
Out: h=8 m=8
